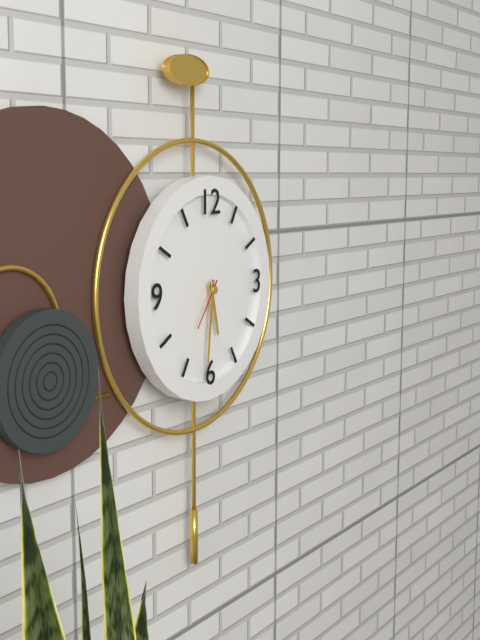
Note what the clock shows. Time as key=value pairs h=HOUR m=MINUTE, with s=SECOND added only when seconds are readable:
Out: h=5 m=31 s=36
